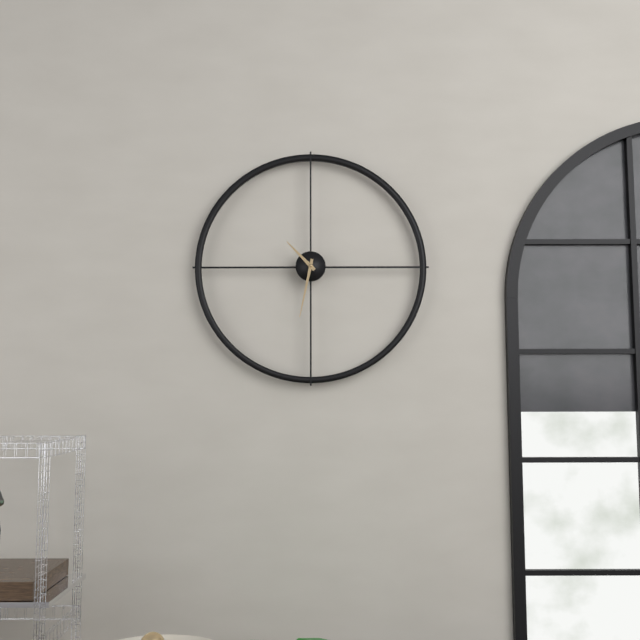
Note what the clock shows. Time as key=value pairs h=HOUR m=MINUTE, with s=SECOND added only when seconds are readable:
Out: h=10 m=32
